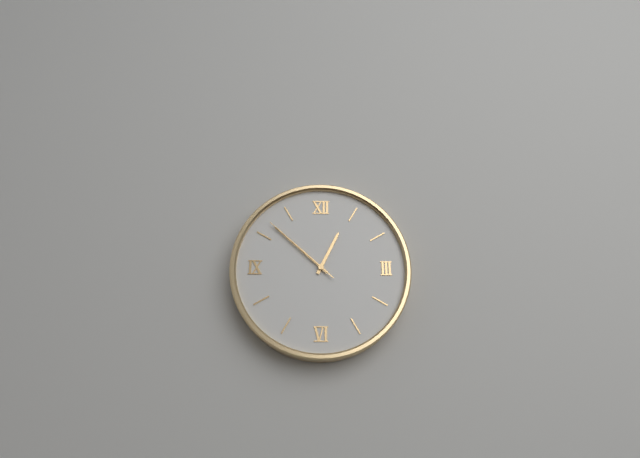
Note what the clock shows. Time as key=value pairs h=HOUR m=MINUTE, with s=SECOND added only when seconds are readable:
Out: h=12 m=52 s=52
